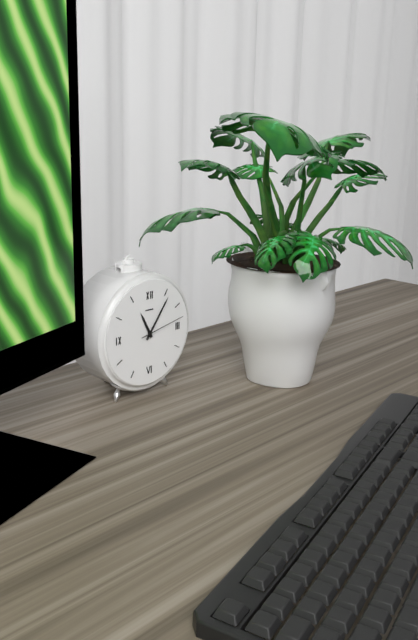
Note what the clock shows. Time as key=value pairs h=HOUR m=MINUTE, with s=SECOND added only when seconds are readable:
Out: h=11 m=6
